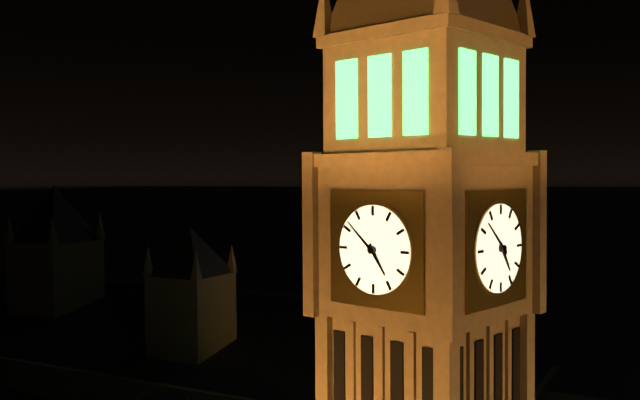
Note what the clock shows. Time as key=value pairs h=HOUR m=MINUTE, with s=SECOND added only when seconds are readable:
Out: h=4 m=52
